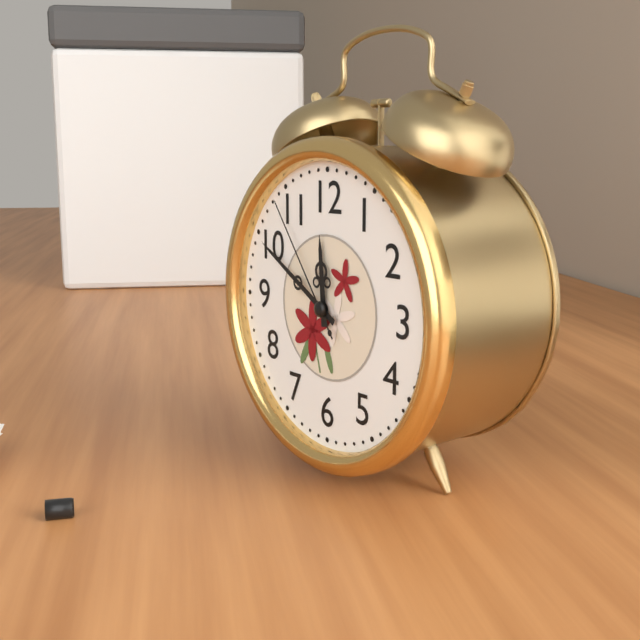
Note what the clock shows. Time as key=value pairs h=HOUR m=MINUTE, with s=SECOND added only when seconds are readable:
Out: h=11 m=50 s=54
